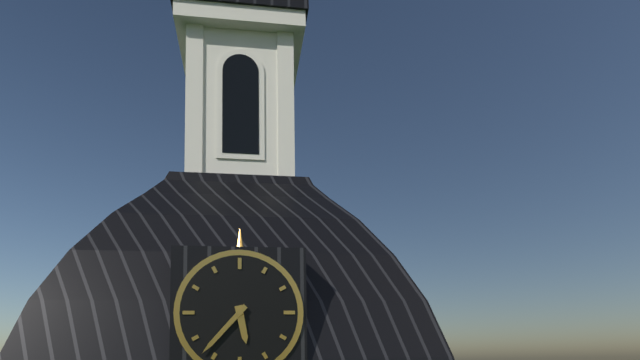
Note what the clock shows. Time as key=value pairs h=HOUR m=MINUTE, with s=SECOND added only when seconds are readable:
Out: h=5 m=37
